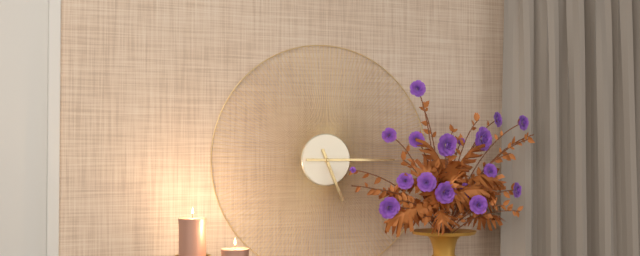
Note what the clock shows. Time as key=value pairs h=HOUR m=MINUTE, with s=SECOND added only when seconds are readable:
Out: h=5 m=15
